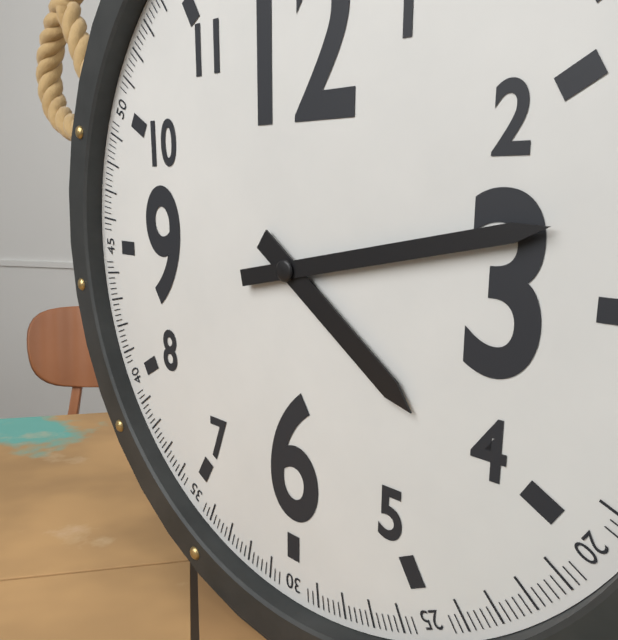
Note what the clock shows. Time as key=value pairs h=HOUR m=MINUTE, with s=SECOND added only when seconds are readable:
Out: h=4 m=13
